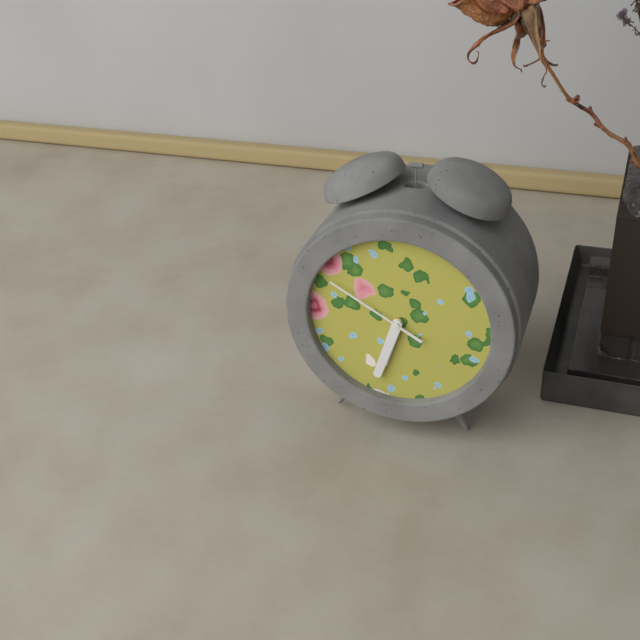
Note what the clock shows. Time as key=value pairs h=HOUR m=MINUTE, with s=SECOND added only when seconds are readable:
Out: h=6 m=33 s=50
